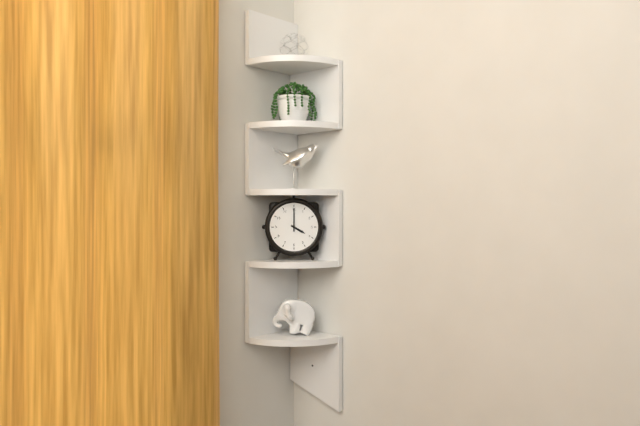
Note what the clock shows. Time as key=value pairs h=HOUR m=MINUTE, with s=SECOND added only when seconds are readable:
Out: h=4 m=0
